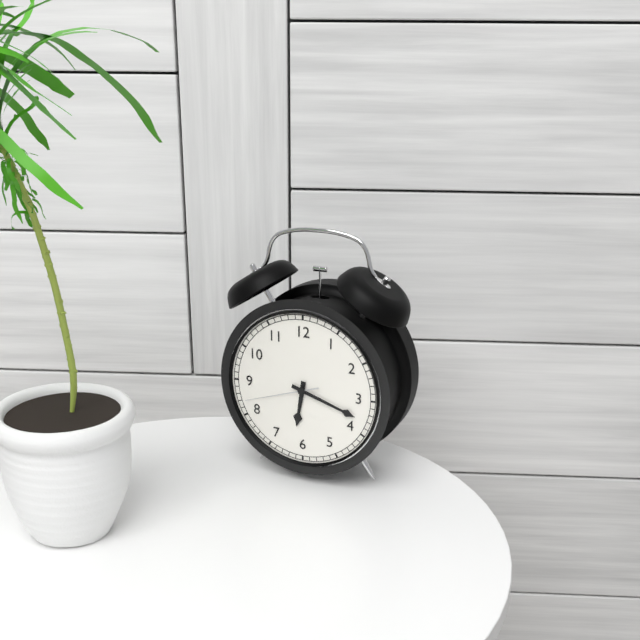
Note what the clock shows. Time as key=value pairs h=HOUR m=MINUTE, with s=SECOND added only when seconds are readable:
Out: h=6 m=18 s=42
